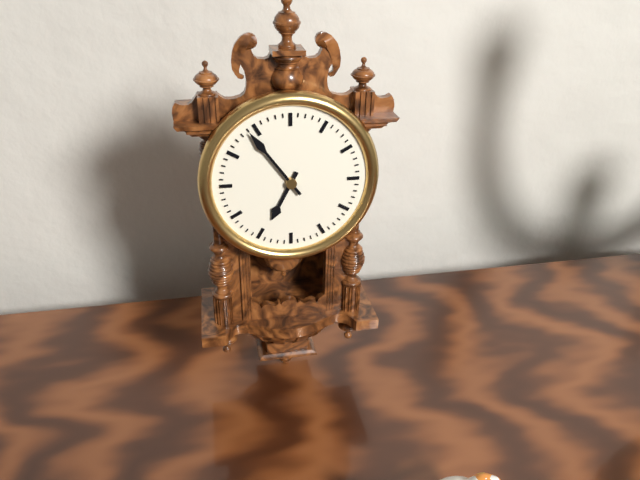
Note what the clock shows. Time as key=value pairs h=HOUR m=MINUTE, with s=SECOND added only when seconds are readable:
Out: h=6 m=54
